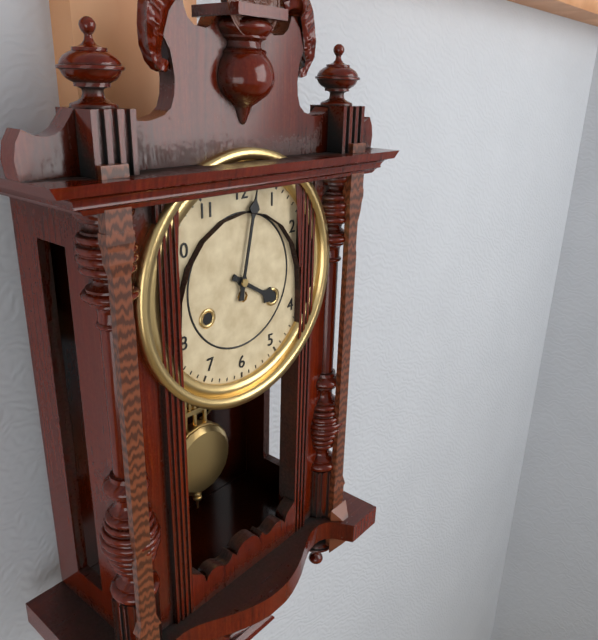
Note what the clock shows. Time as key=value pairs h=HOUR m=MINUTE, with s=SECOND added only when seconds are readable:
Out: h=4 m=2
